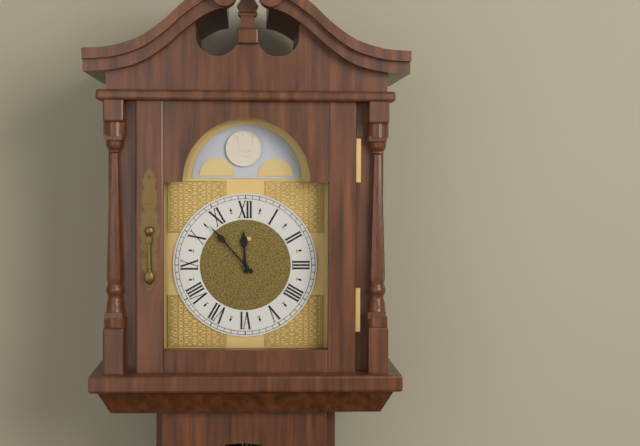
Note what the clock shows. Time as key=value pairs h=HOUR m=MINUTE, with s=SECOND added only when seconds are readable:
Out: h=11 m=53
